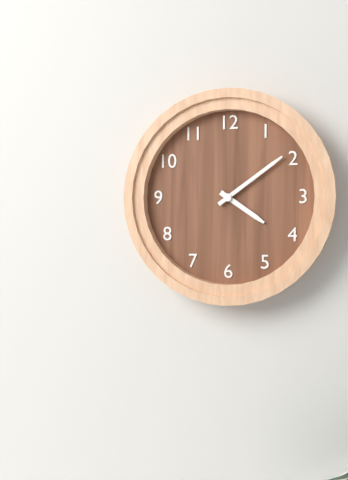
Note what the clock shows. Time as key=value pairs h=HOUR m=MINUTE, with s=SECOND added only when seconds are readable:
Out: h=4 m=9
